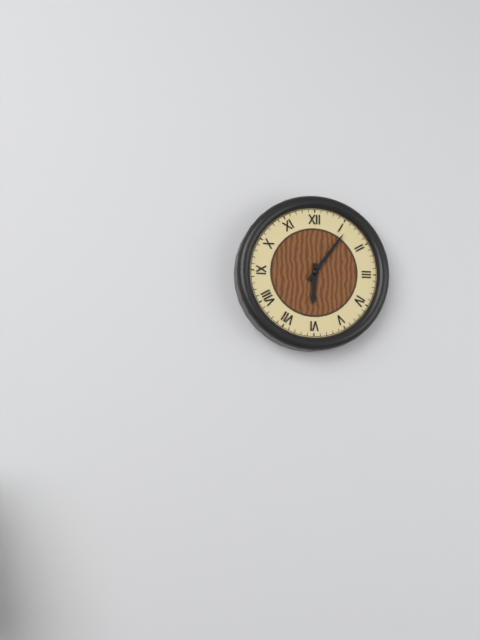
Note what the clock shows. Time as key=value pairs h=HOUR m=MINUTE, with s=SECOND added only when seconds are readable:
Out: h=6 m=6
